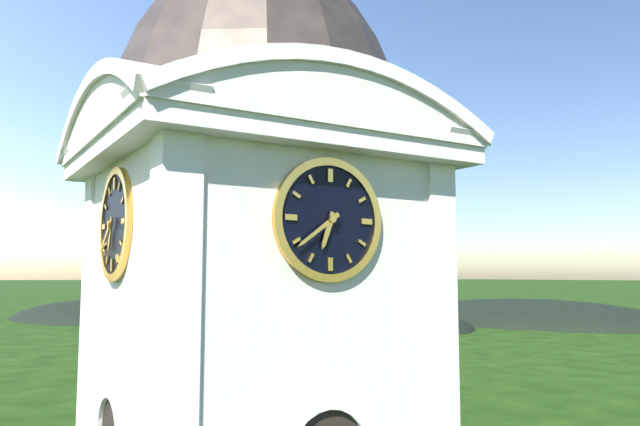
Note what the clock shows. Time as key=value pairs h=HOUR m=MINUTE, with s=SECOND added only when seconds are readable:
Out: h=6 m=39
